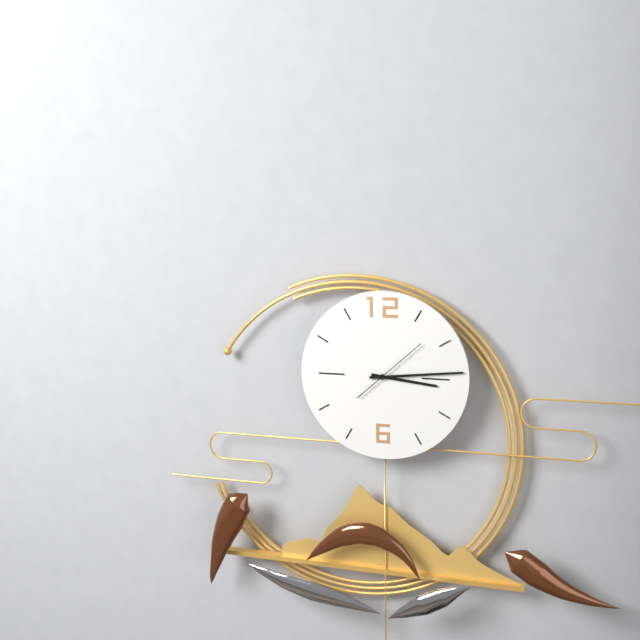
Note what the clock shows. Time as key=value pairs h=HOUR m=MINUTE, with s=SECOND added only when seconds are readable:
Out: h=3 m=14 s=8
